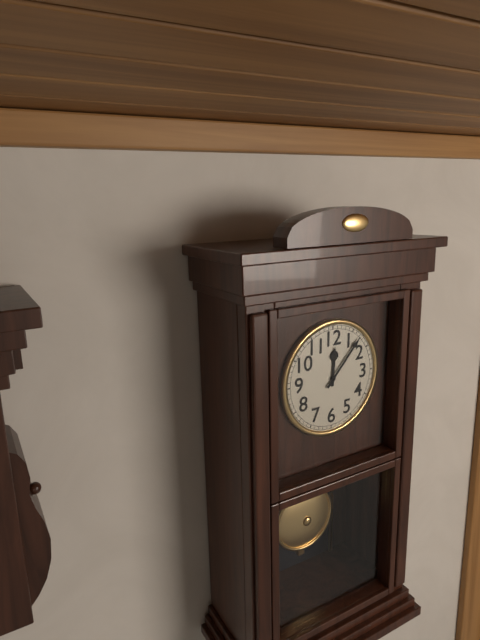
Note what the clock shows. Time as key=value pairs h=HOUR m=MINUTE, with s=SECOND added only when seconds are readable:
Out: h=12 m=7
